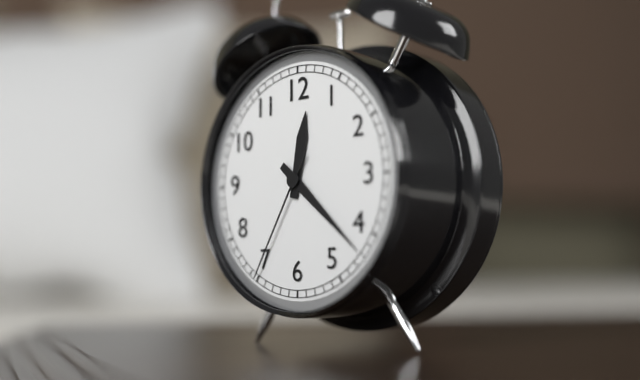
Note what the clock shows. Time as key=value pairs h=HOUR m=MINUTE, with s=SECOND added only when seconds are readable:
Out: h=12 m=22 s=35
